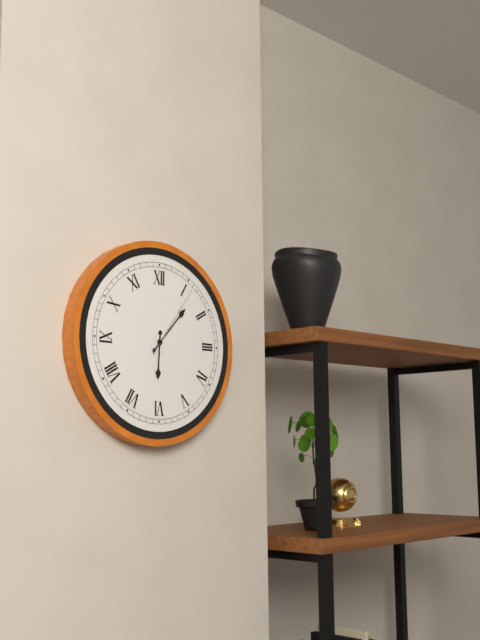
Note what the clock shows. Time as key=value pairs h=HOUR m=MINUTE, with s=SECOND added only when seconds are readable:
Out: h=6 m=7 s=6
